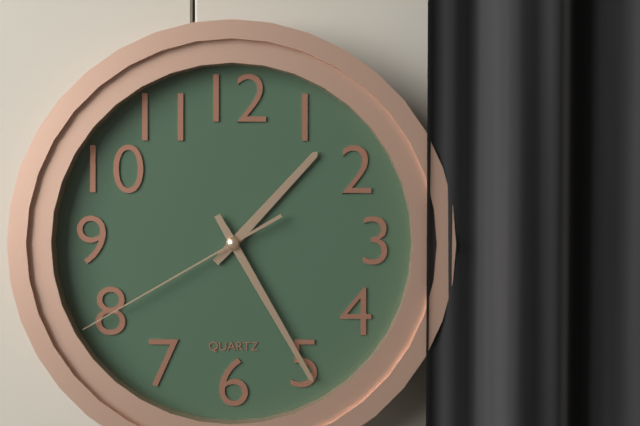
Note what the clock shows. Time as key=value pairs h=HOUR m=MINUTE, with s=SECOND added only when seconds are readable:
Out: h=1 m=25 s=40
